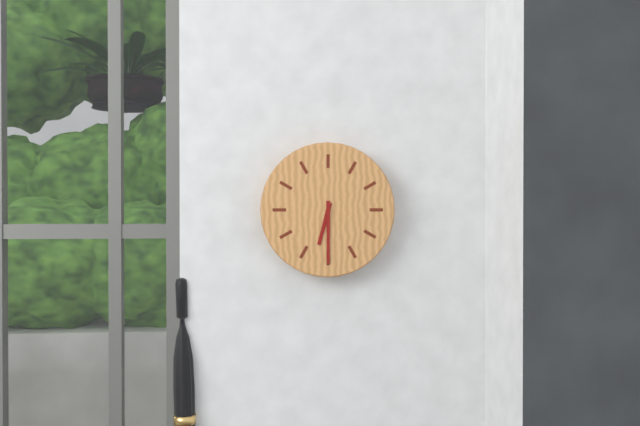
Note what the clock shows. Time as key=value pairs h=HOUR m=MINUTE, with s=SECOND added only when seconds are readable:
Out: h=6 m=30
